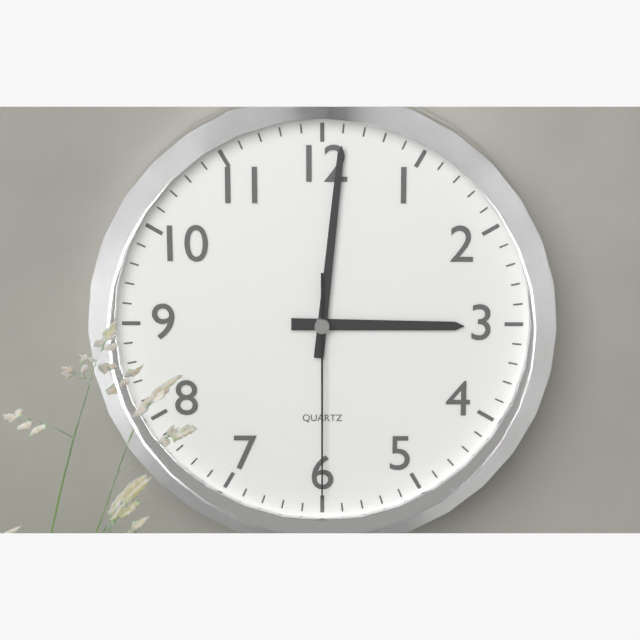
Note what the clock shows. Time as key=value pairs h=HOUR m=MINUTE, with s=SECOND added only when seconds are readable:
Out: h=3 m=1 s=30
